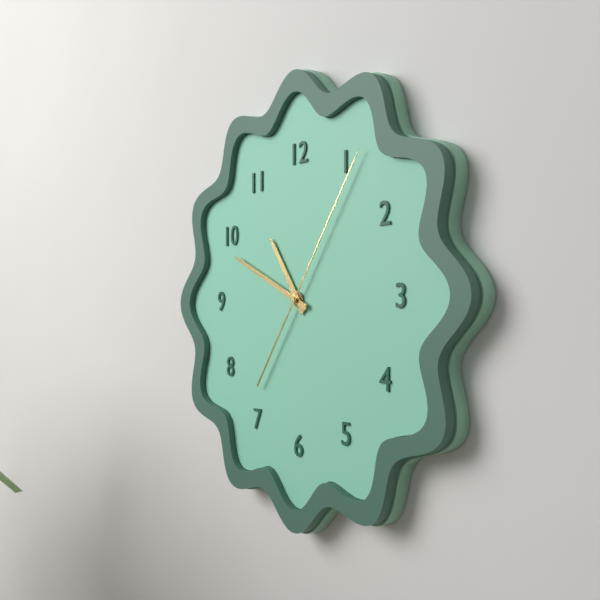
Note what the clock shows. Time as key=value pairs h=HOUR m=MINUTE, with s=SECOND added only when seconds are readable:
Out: h=10 m=49 s=6
